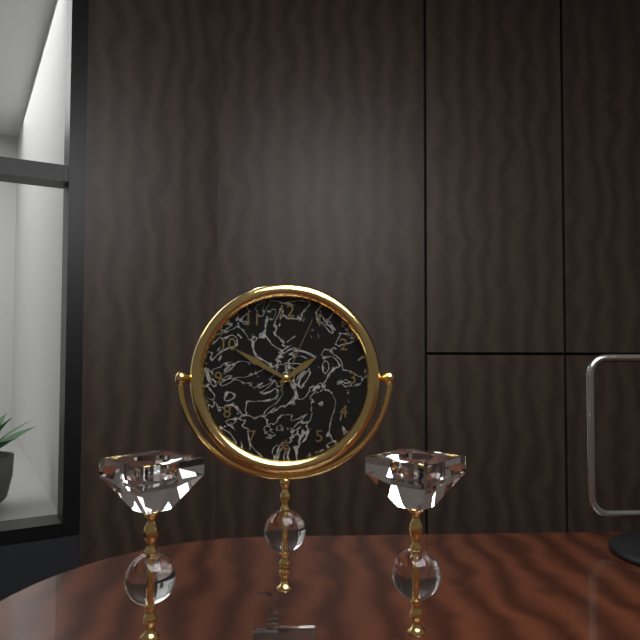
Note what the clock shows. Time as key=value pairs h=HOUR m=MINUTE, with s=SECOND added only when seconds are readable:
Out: h=1 m=50 s=4
